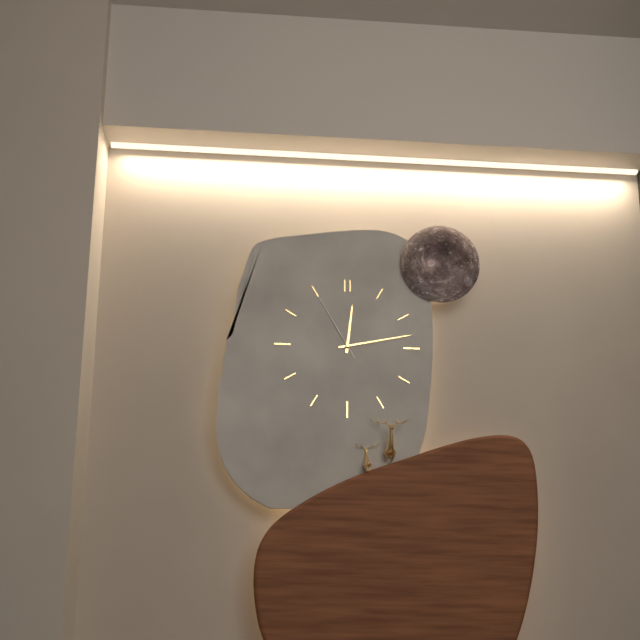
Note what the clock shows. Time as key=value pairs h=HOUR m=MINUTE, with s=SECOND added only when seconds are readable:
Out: h=12 m=13 s=55
